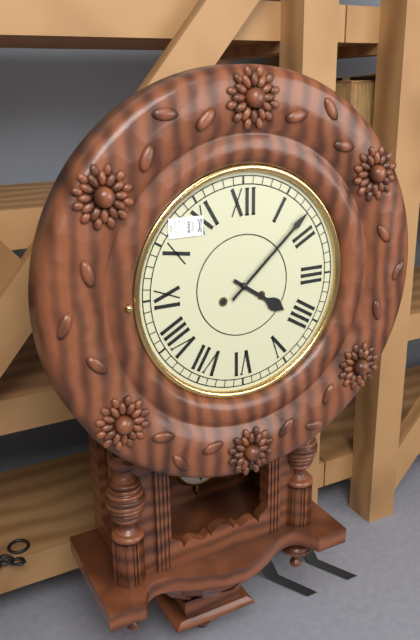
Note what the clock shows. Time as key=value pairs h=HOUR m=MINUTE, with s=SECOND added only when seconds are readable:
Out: h=4 m=8
